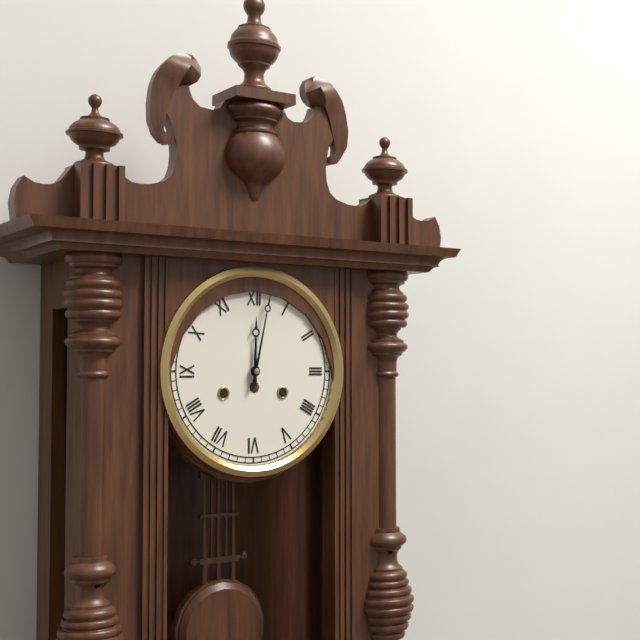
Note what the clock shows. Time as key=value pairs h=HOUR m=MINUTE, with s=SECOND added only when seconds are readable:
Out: h=12 m=2
